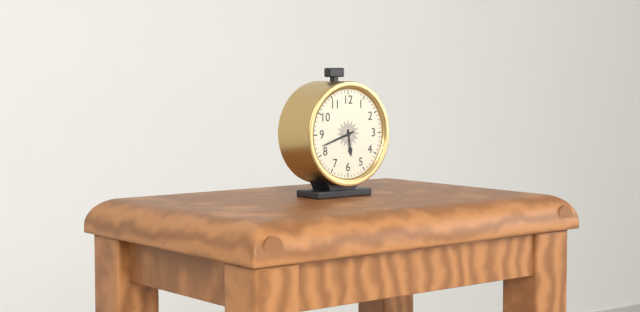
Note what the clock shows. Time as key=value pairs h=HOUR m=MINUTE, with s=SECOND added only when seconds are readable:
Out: h=5 m=42
